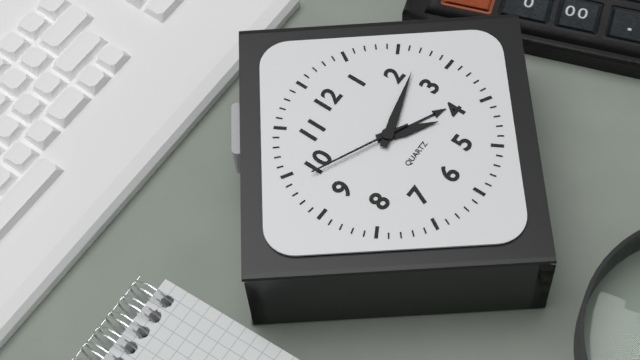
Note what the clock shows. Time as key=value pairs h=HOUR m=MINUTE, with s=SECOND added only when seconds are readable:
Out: h=4 m=12 s=49
